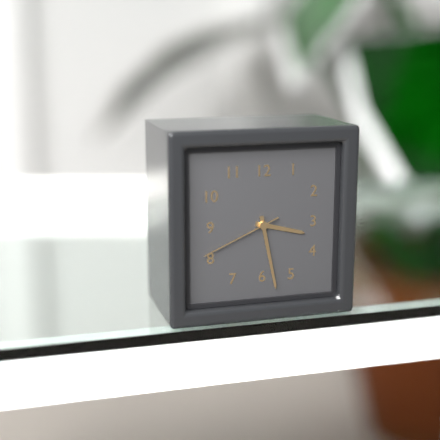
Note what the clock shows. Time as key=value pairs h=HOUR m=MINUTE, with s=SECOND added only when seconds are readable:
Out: h=3 m=28 s=41
